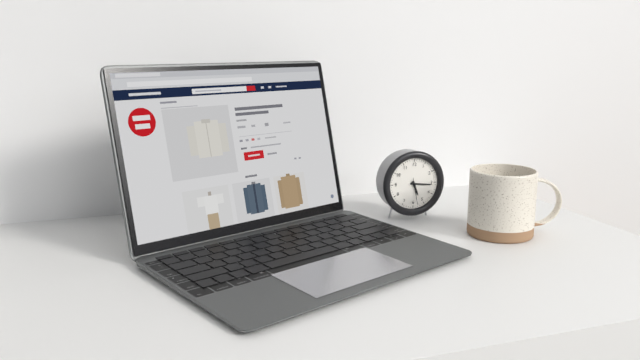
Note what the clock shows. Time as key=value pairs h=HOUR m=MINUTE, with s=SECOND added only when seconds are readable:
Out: h=5 m=16
